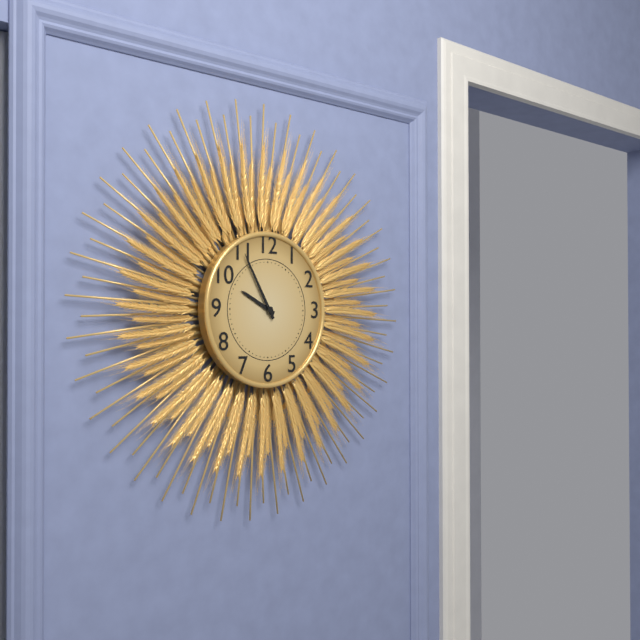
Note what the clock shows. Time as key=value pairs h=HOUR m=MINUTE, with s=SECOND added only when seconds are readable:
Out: h=9 m=55
